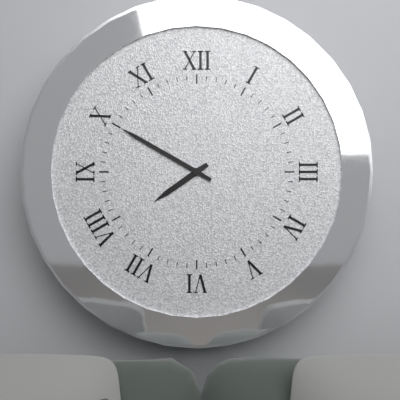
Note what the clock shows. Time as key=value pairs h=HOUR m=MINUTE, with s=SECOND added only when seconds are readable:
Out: h=7 m=50
